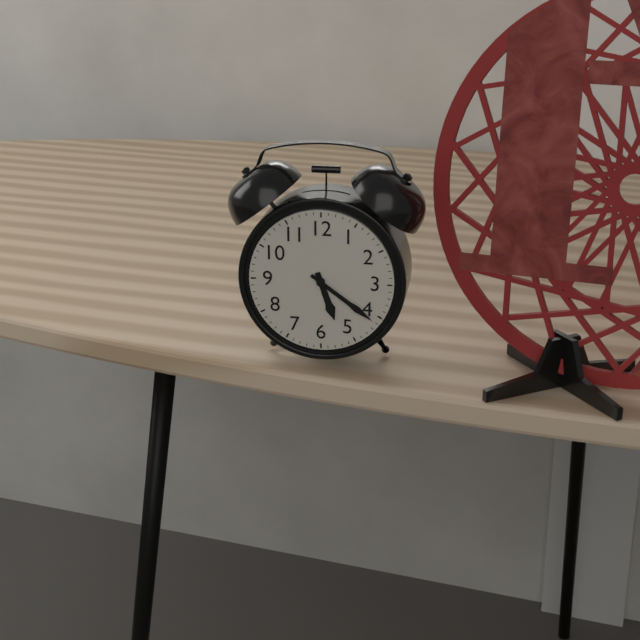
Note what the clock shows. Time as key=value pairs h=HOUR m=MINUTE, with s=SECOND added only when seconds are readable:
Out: h=5 m=21
